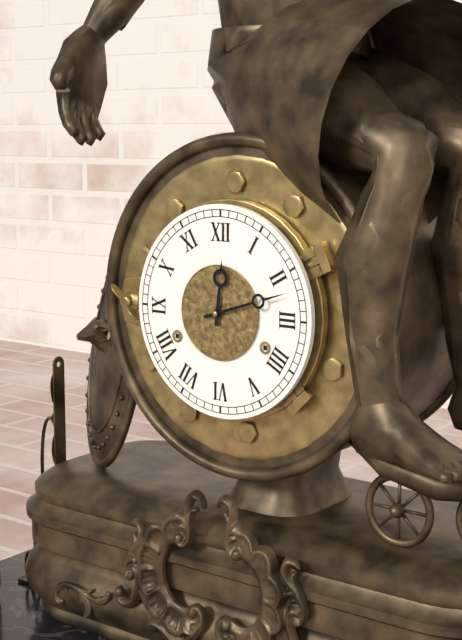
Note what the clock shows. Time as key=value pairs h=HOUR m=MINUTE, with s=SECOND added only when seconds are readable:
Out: h=12 m=12
